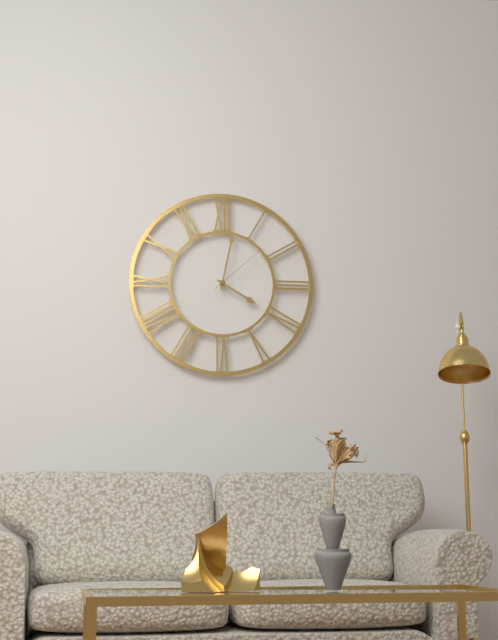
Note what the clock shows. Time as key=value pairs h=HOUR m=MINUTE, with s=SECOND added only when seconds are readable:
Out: h=4 m=2 s=8
